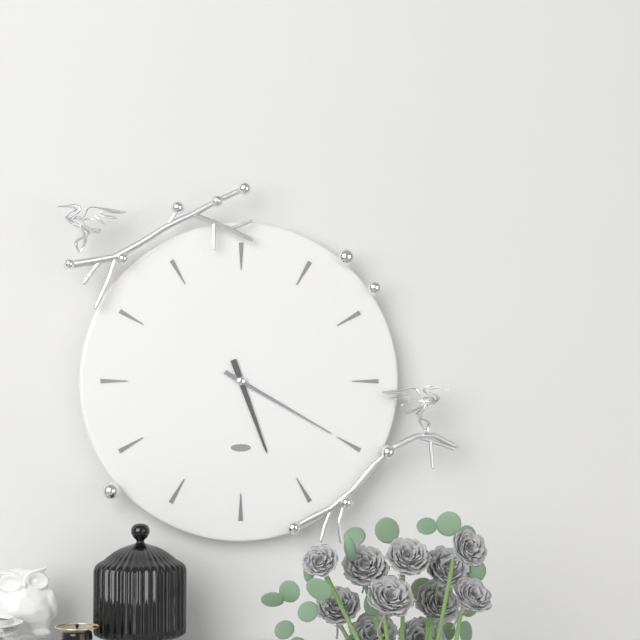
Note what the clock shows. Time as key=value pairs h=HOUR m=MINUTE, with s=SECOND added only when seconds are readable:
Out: h=5 m=20
